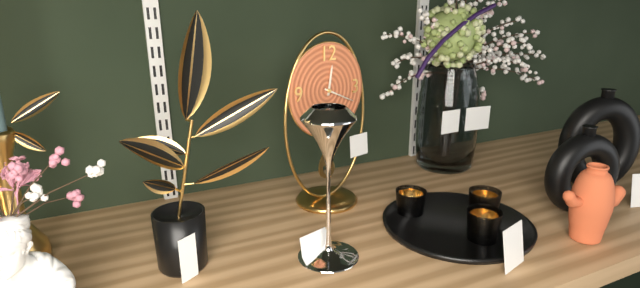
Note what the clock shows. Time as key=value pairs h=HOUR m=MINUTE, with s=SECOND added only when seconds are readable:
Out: h=12 m=19
